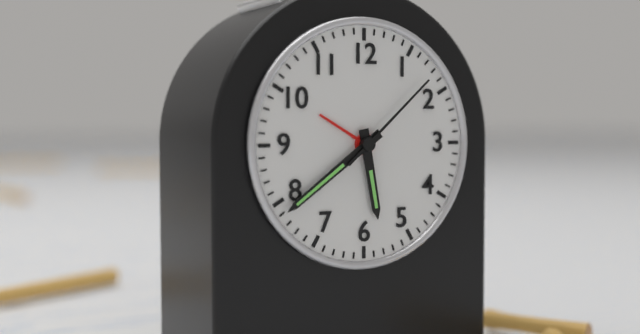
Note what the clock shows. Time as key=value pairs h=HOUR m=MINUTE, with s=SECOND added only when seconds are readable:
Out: h=5 m=39 s=8
